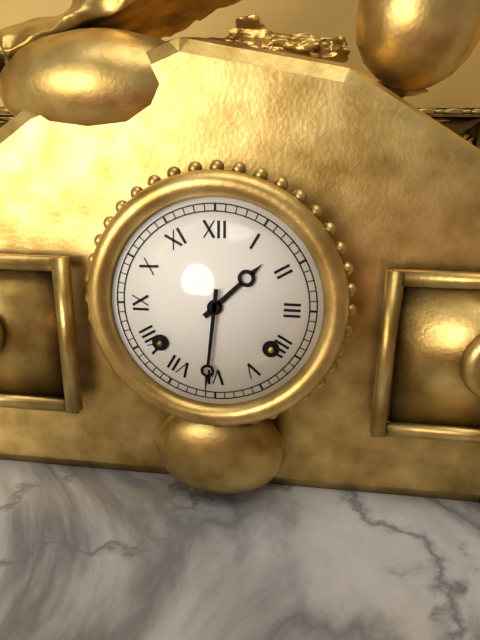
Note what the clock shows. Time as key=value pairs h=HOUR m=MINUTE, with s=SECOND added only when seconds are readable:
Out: h=1 m=31
